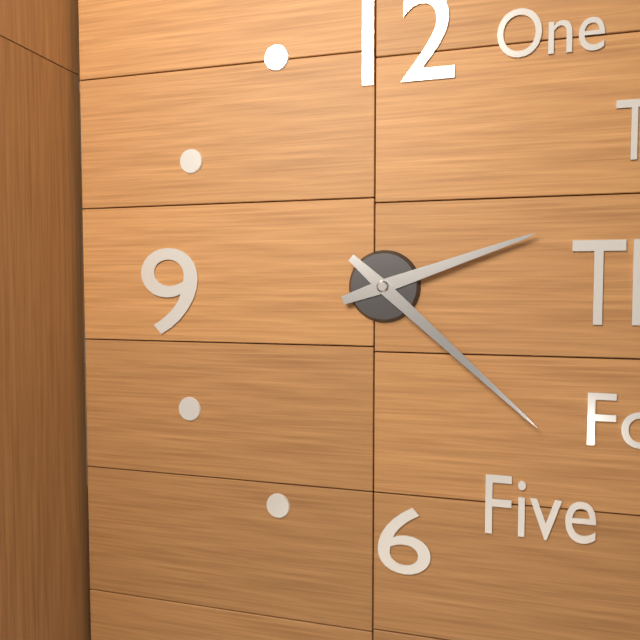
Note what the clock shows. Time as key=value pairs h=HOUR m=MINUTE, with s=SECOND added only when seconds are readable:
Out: h=2 m=22
